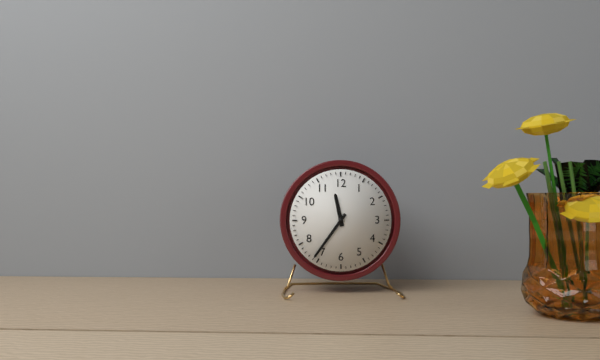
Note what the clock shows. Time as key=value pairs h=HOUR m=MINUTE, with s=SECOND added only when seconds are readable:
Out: h=11 m=36
